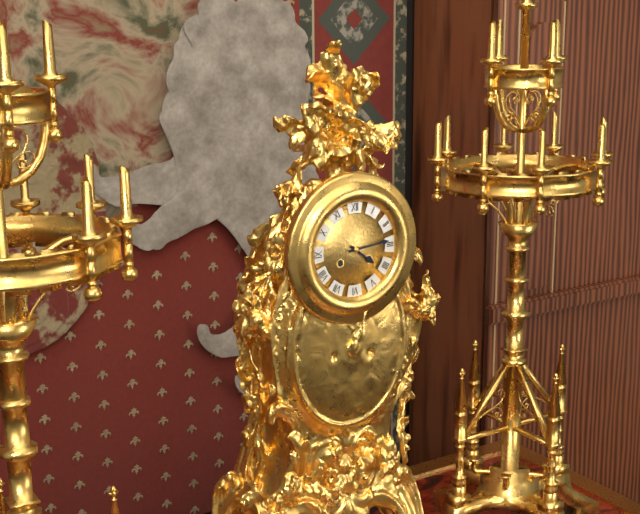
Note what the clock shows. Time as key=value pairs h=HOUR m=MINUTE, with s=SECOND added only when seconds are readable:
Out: h=4 m=14
